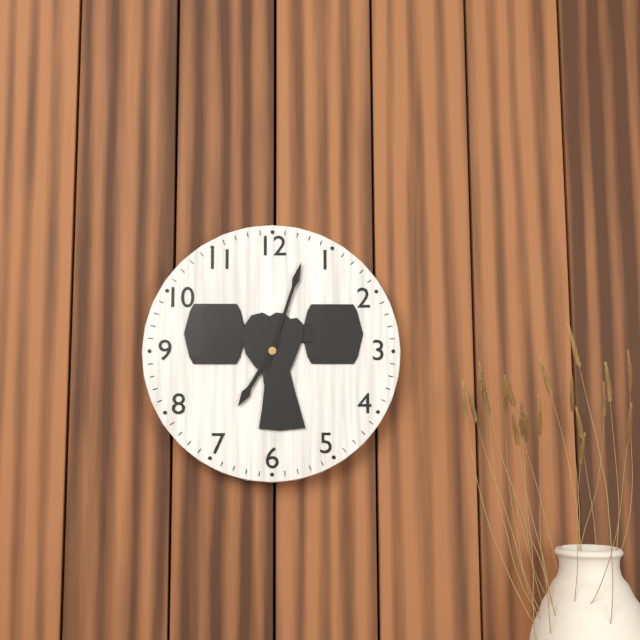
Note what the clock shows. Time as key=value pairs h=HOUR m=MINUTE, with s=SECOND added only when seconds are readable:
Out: h=7 m=3
